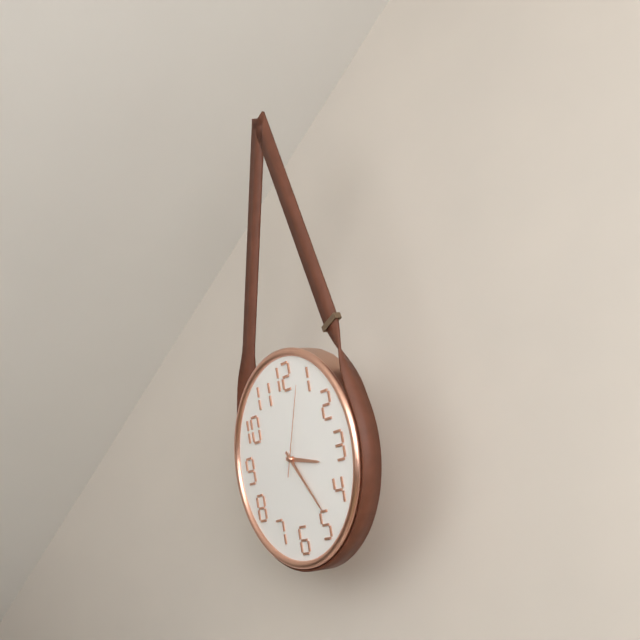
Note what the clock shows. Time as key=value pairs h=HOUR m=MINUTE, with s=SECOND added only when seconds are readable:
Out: h=3 m=24 s=4
